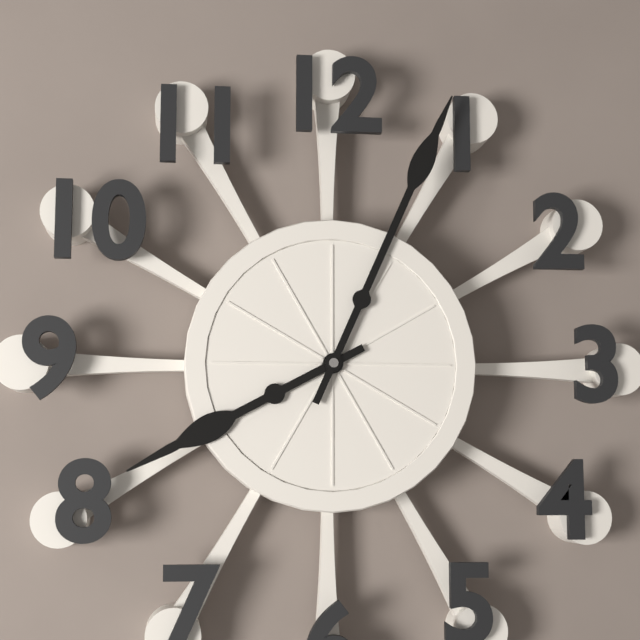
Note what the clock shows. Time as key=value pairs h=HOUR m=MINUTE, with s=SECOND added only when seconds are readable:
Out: h=8 m=4
